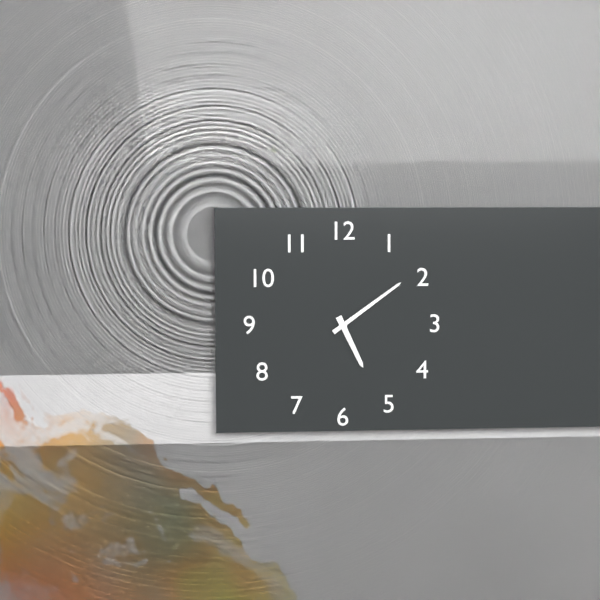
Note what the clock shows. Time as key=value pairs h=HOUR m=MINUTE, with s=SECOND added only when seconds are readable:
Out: h=5 m=9
